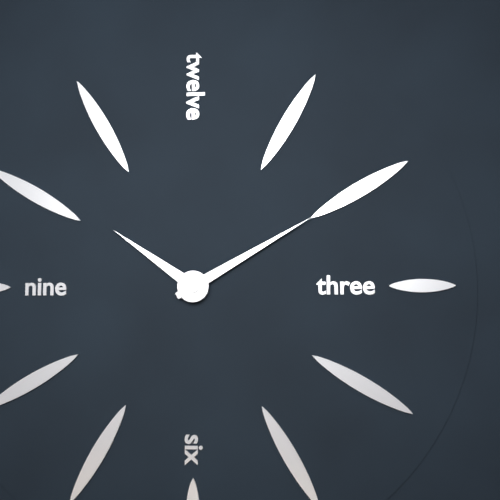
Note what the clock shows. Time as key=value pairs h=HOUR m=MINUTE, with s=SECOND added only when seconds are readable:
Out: h=10 m=10
